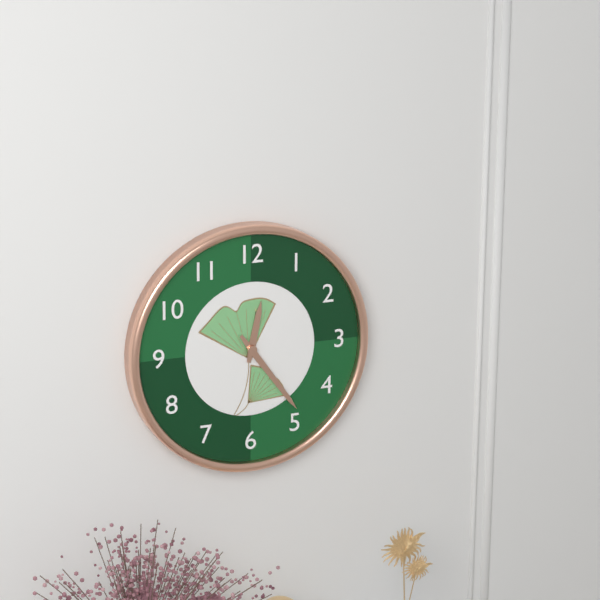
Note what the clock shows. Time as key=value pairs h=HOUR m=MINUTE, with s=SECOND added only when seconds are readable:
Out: h=12 m=24
